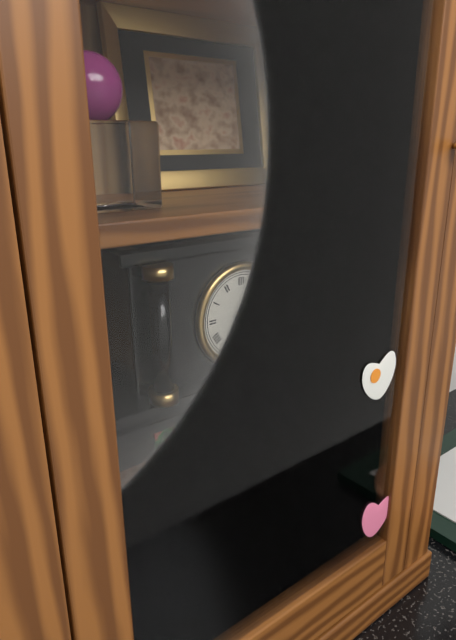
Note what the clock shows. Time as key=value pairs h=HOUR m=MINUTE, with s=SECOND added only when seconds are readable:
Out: h=2 m=34
